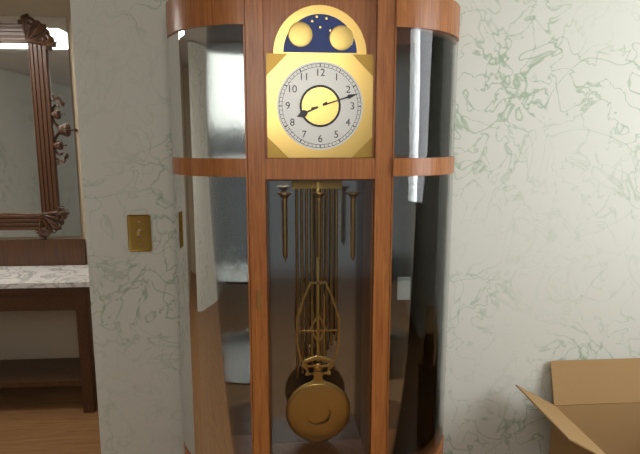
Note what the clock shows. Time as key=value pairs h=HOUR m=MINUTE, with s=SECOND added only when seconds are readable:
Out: h=8 m=12
